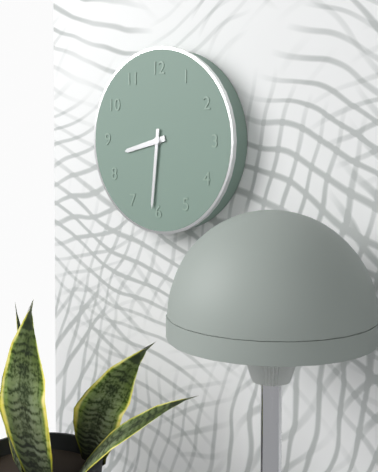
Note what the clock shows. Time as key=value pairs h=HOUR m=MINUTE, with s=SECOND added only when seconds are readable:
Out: h=8 m=31
